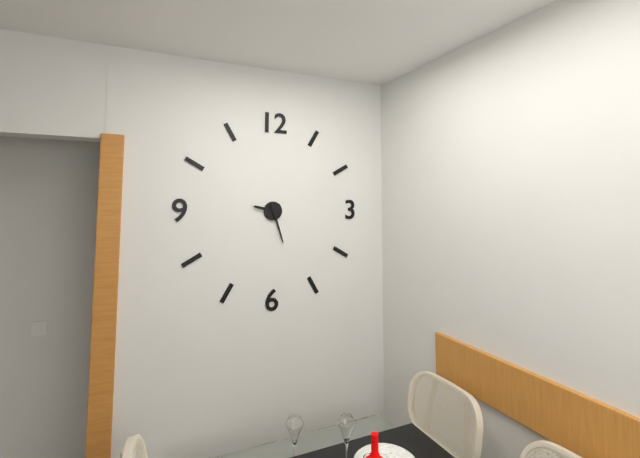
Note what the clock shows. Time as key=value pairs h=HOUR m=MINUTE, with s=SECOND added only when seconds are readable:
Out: h=9 m=27
